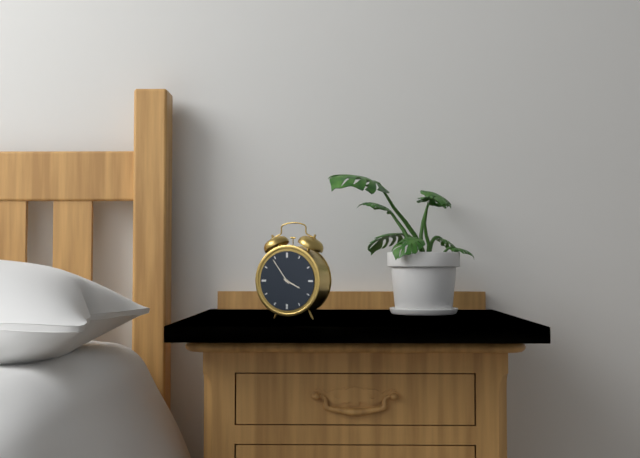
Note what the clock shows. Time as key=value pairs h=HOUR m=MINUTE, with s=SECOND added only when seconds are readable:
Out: h=3 m=54
